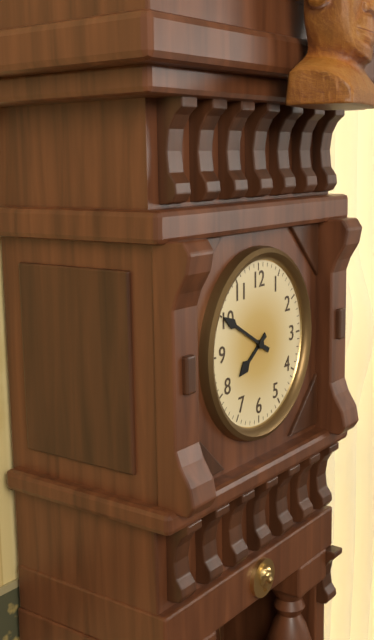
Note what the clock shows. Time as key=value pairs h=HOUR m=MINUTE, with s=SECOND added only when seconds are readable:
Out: h=7 m=50
